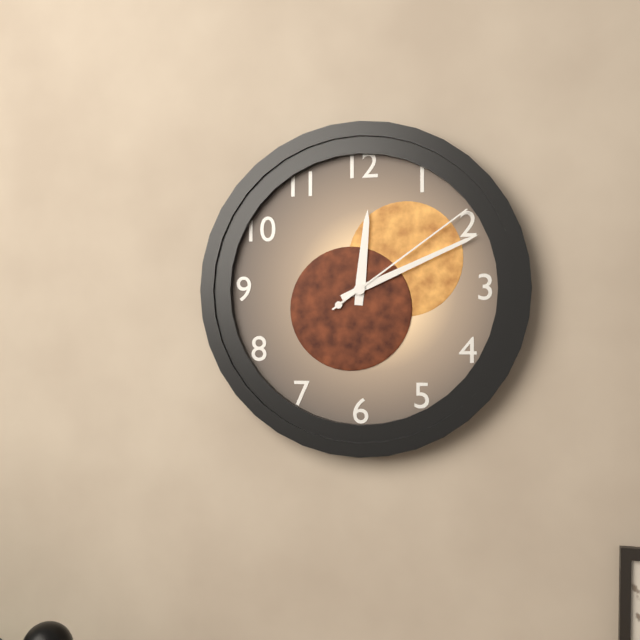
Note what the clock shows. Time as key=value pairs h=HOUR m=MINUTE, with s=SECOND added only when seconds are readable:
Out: h=12 m=11 s=9
